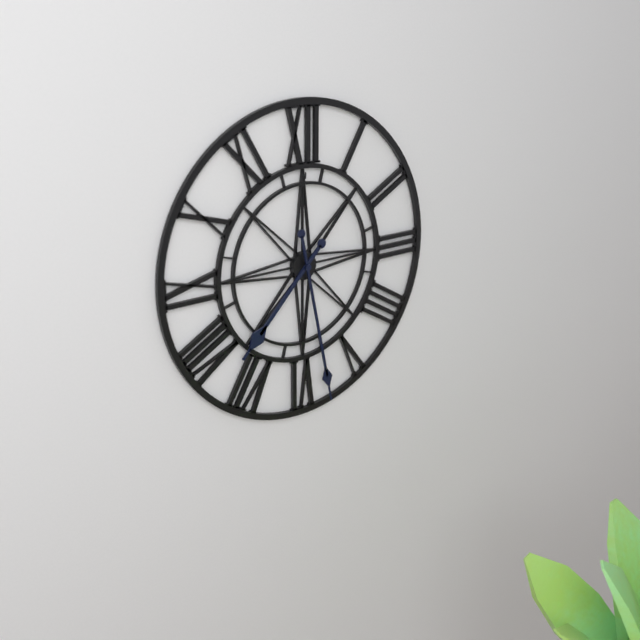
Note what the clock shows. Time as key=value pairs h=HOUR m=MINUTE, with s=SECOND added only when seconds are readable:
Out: h=7 m=28
